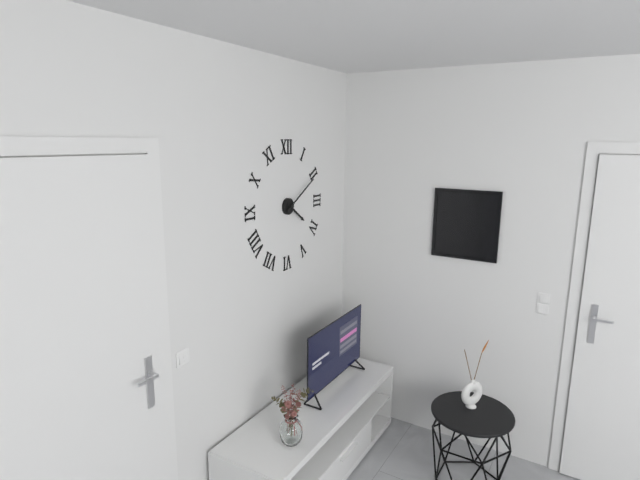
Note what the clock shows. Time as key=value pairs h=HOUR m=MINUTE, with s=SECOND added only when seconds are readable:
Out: h=4 m=10
